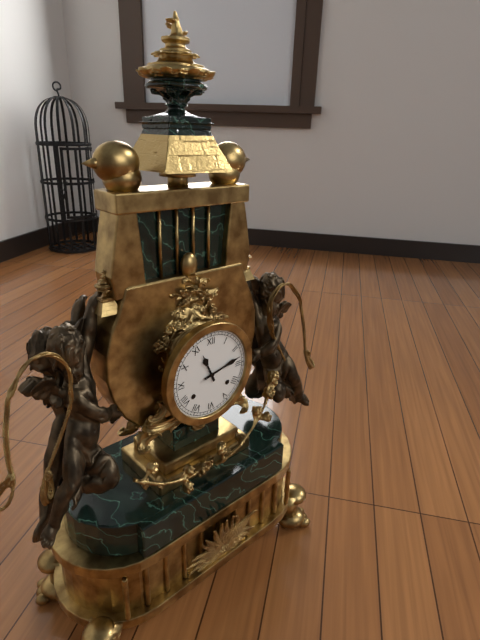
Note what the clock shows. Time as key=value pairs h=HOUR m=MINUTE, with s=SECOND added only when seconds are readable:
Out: h=11 m=13
